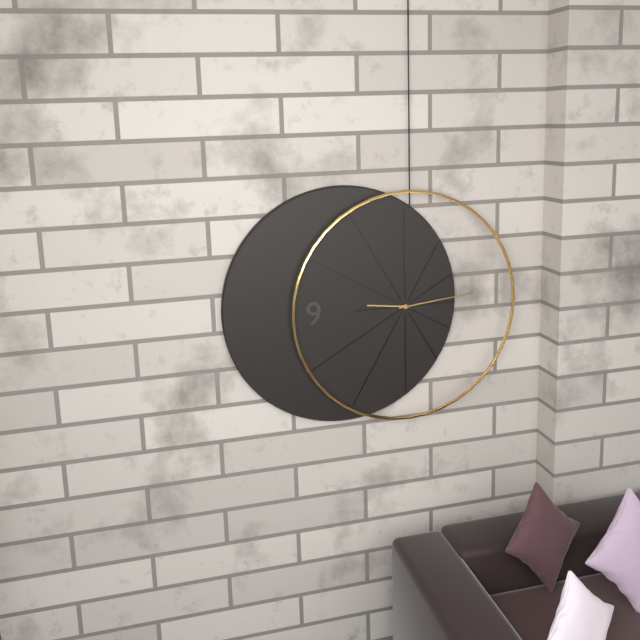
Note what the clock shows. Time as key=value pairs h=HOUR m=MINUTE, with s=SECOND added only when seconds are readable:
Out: h=9 m=14
